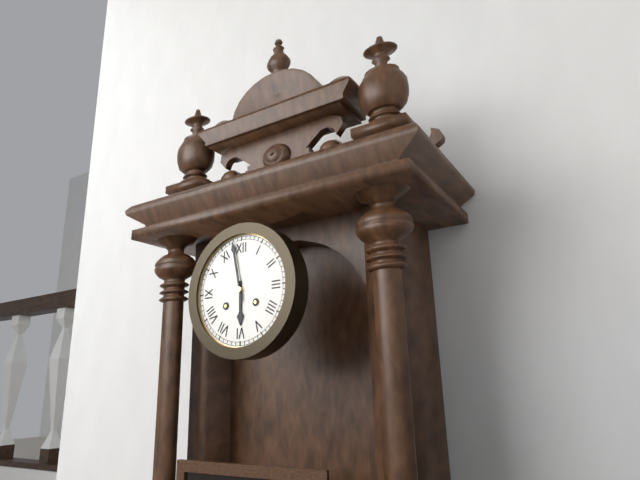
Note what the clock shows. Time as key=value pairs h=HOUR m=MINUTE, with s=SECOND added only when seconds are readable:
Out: h=5 m=58
